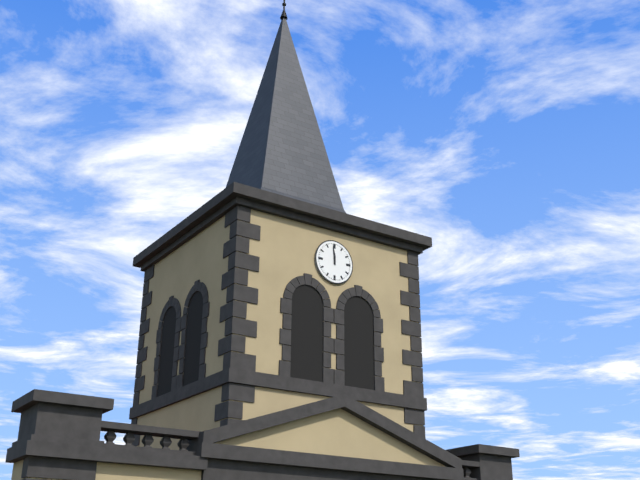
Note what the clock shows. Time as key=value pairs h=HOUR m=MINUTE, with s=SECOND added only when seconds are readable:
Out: h=11 m=59
